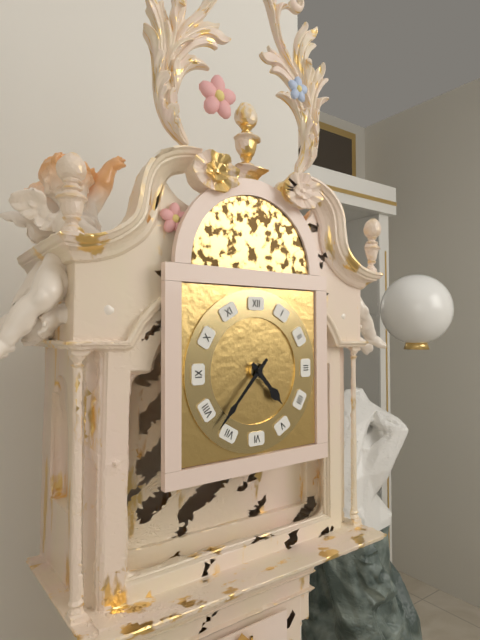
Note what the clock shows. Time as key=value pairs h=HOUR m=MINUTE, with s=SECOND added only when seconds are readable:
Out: h=4 m=37
